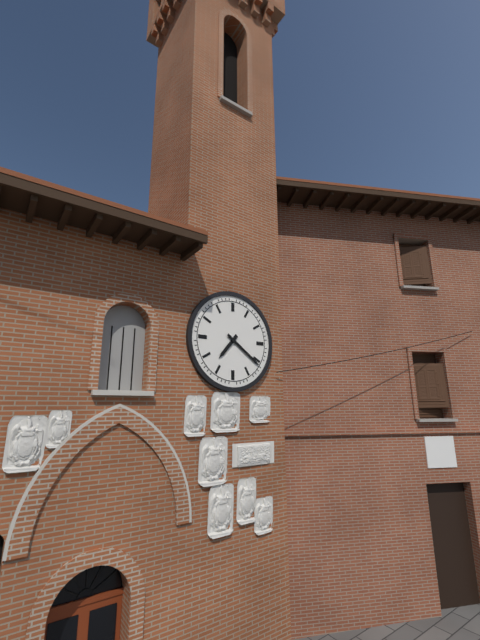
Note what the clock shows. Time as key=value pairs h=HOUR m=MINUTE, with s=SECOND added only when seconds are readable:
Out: h=7 m=21
